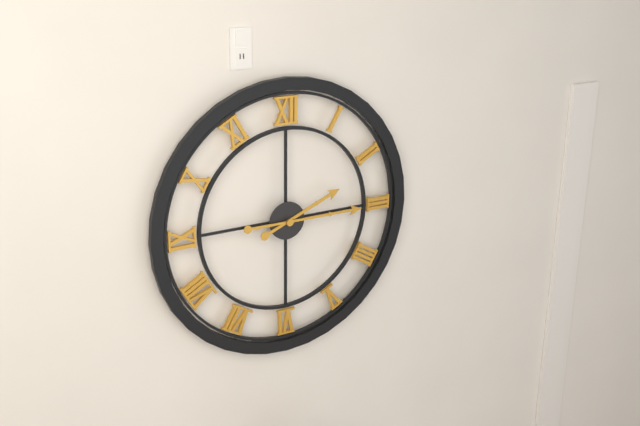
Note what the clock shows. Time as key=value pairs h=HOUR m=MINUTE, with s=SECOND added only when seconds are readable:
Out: h=2 m=15
